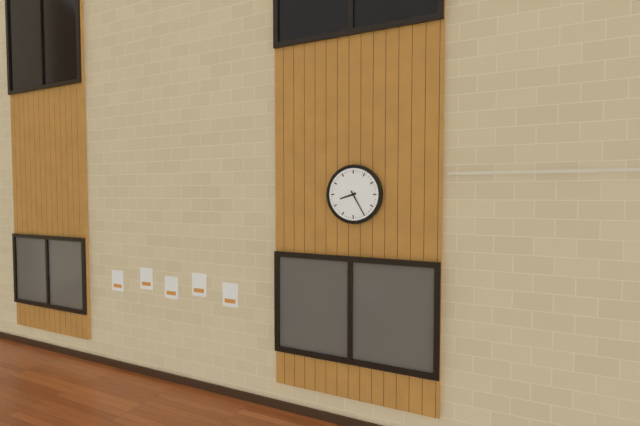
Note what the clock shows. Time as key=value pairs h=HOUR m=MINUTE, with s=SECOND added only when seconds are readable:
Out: h=8 m=25
